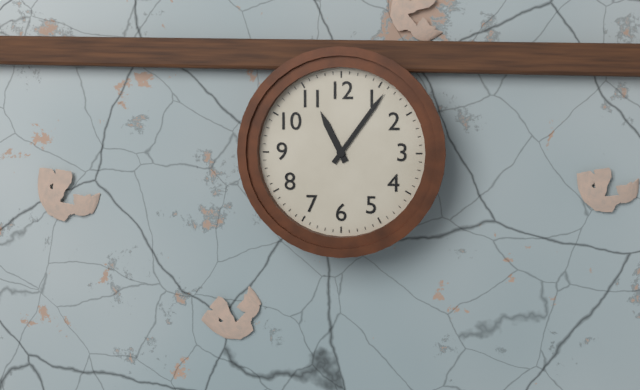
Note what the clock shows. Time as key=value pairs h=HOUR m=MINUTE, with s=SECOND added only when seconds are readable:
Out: h=11 m=6
